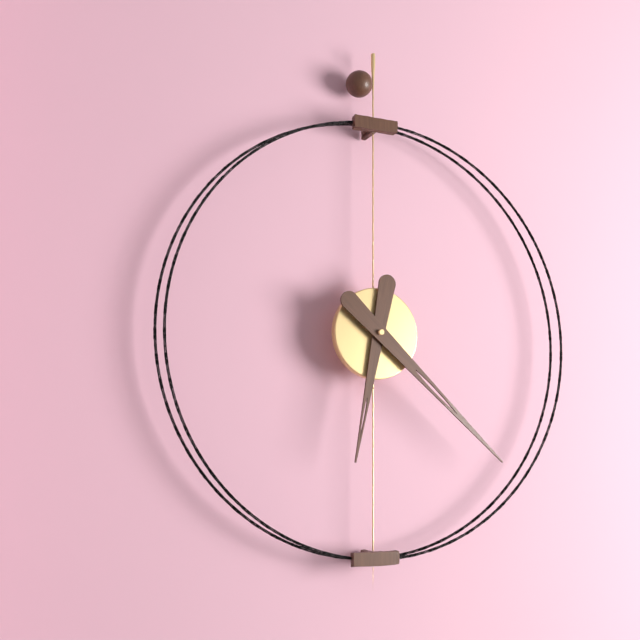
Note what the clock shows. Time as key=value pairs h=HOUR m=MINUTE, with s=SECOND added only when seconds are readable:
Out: h=6 m=22
